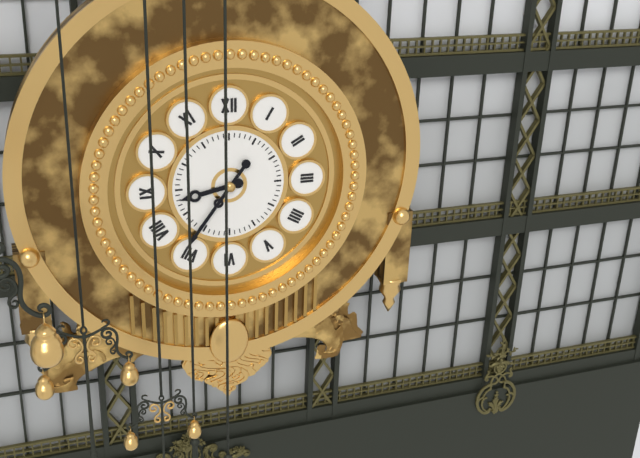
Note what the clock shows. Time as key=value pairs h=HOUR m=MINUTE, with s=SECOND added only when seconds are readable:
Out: h=8 m=36
